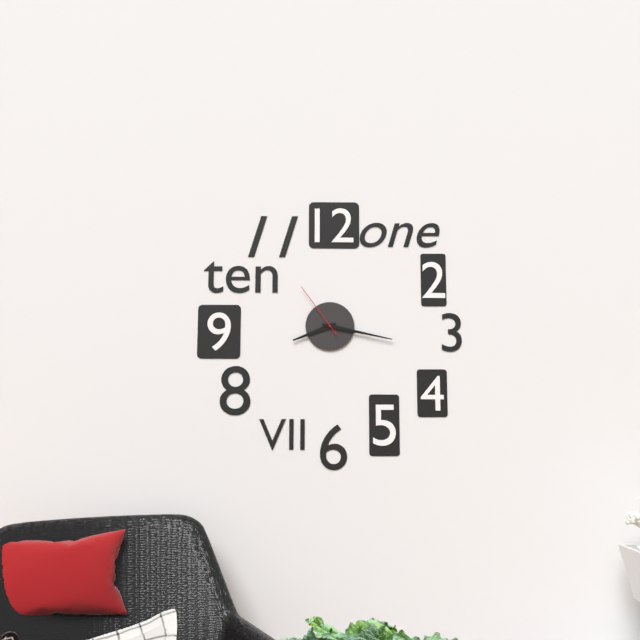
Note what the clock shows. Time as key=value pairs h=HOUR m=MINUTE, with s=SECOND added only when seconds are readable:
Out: h=8 m=17 s=54
